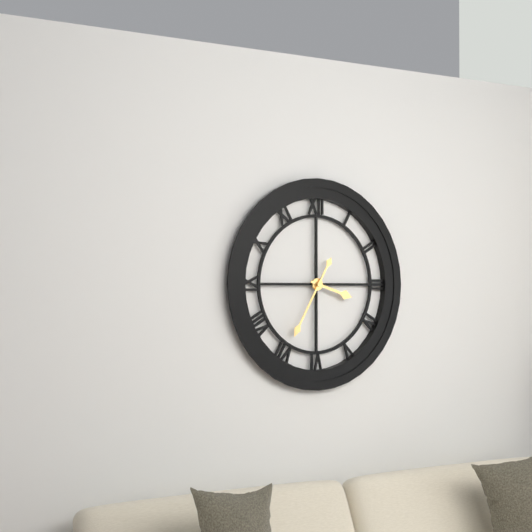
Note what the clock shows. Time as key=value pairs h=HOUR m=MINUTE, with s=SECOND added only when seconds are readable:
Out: h=3 m=35
